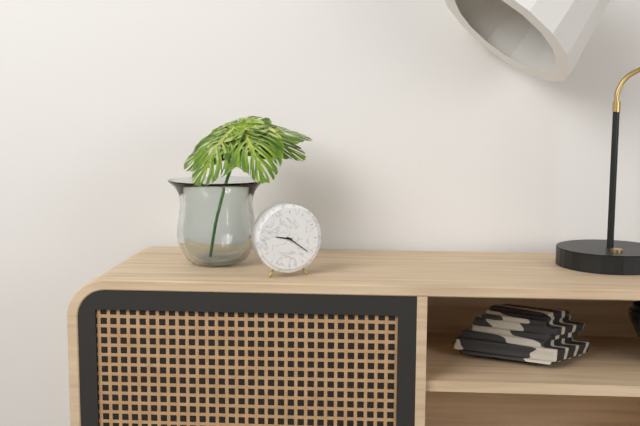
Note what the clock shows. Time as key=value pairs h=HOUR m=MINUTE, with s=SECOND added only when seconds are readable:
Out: h=9 m=21
